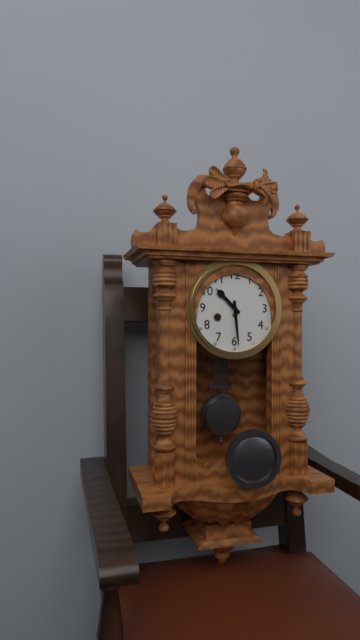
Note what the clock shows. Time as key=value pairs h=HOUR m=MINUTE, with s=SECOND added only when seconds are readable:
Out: h=10 m=29
